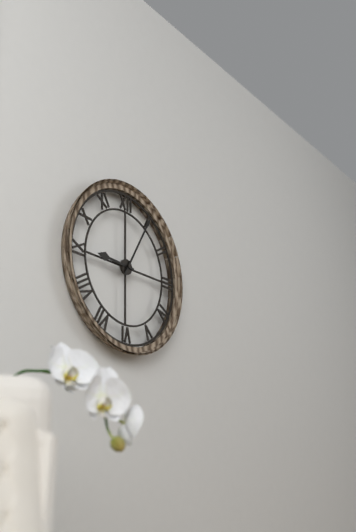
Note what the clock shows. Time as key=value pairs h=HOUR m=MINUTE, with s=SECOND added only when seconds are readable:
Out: h=9 m=5
